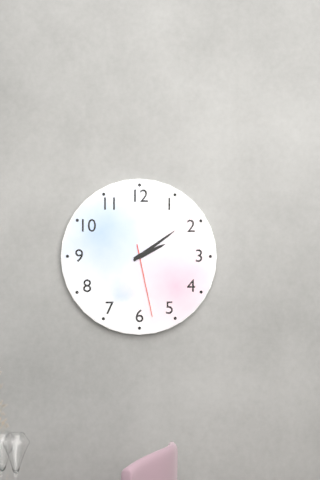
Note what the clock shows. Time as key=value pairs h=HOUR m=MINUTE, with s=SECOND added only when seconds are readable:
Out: h=2 m=9 s=28
